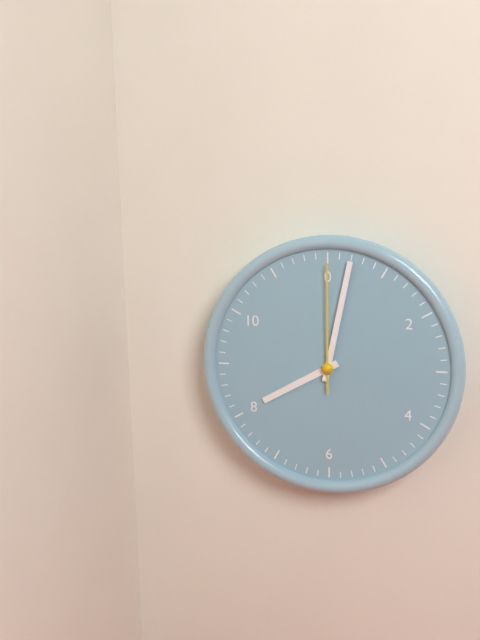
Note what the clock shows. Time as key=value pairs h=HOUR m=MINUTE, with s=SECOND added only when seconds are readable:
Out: h=8 m=2 s=0
